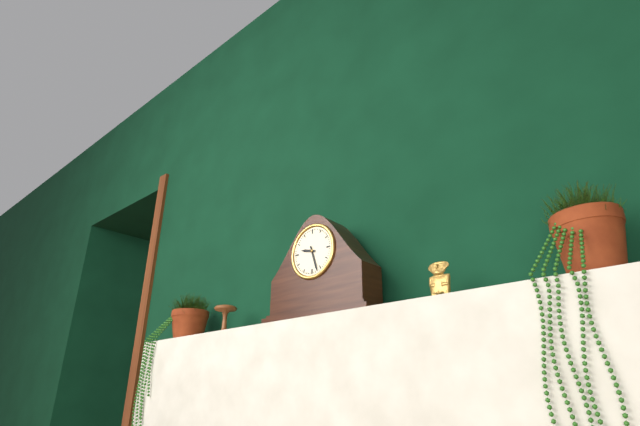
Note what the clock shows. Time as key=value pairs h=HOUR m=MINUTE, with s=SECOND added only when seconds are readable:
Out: h=9 m=27
